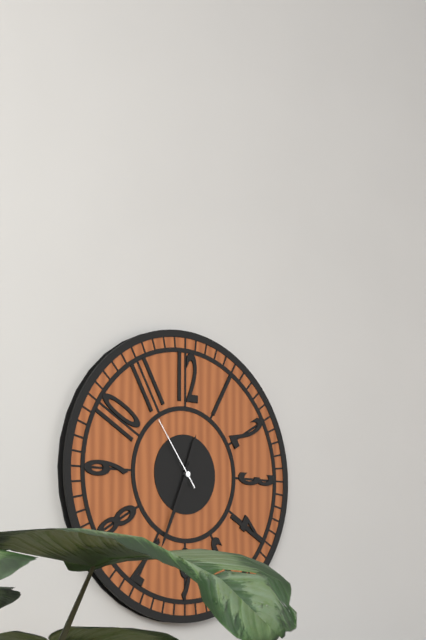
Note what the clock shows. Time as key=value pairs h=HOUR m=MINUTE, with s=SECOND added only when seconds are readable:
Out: h=12 m=34 s=54
